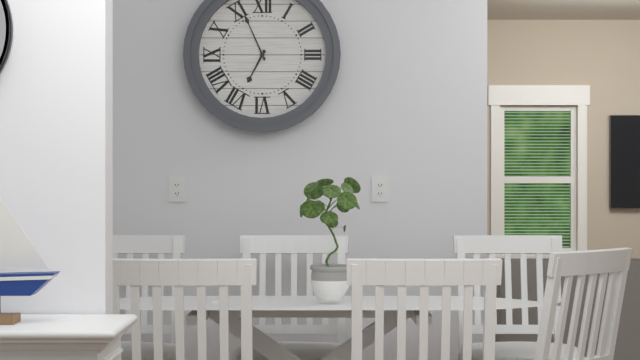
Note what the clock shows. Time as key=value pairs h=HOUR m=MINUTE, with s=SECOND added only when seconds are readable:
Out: h=6 m=56
